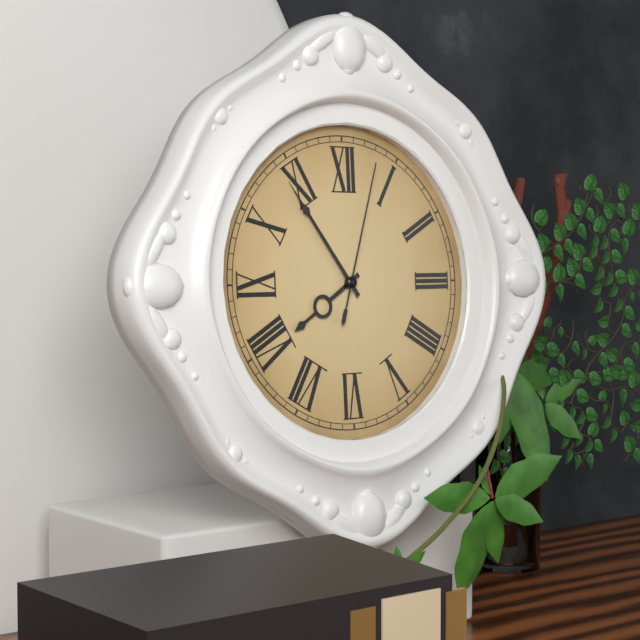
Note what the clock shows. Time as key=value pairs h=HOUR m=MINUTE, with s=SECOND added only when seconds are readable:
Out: h=7 m=54 s=3
